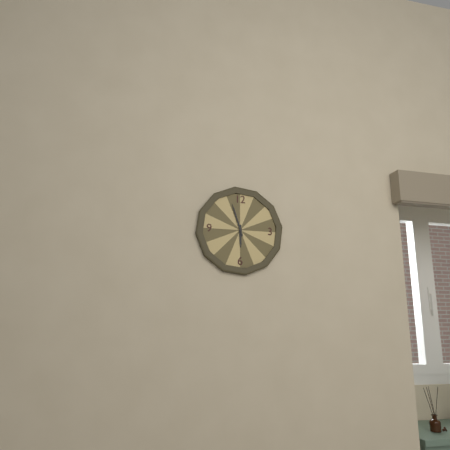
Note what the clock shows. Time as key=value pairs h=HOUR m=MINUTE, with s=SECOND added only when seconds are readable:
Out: h=5 m=57
